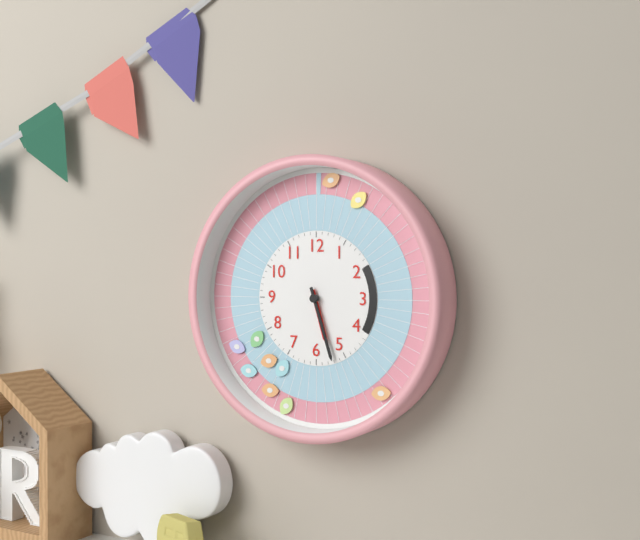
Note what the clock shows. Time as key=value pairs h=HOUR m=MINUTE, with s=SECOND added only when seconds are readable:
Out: h=5 m=27
